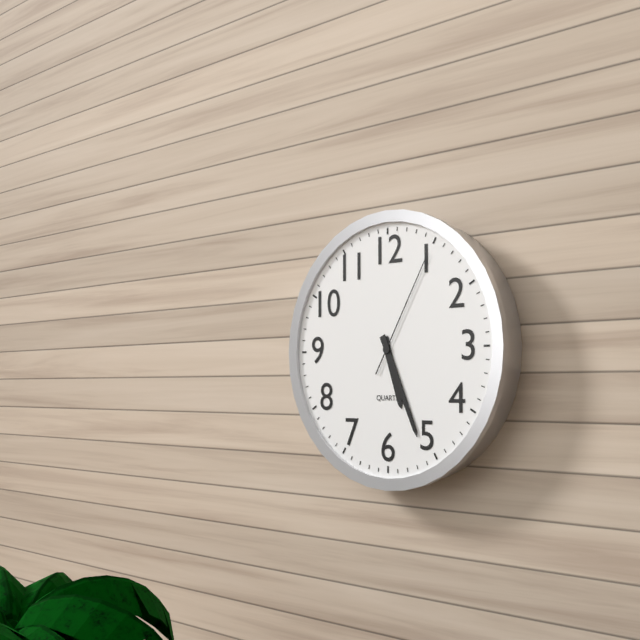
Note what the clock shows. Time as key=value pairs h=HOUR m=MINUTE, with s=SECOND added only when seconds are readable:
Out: h=5 m=26 s=5
